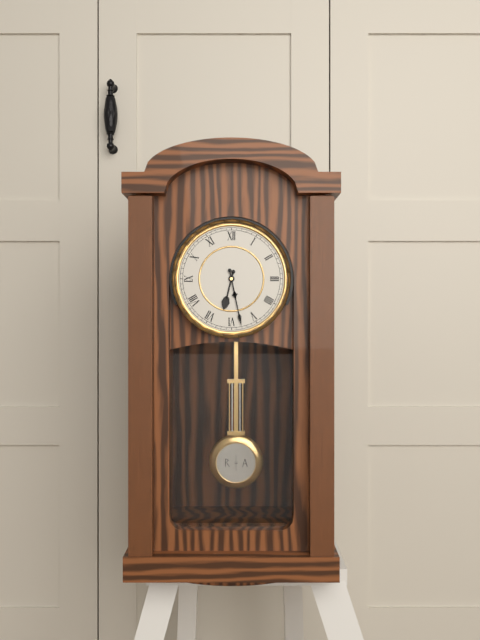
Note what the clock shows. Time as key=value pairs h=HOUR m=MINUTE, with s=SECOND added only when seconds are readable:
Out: h=6 m=28
